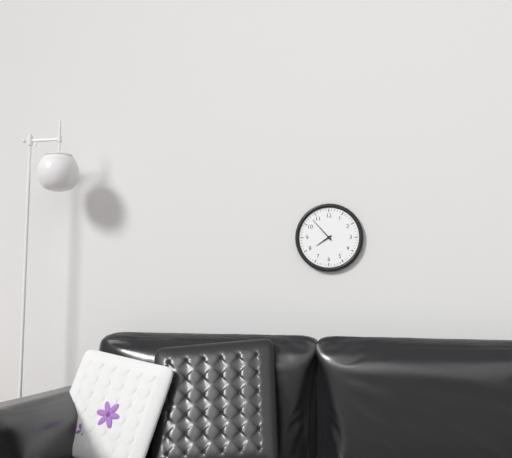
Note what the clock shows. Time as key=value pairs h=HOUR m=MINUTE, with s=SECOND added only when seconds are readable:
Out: h=7 m=53
